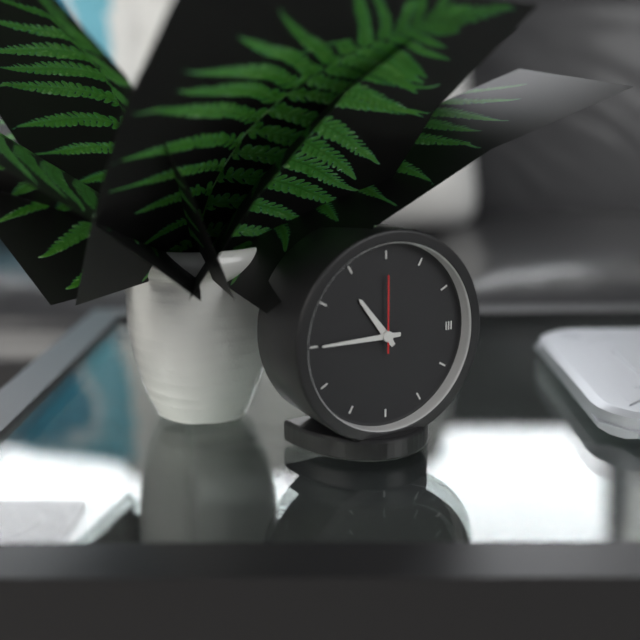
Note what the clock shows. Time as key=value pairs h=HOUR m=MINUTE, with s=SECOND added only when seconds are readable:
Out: h=10 m=45 s=0
